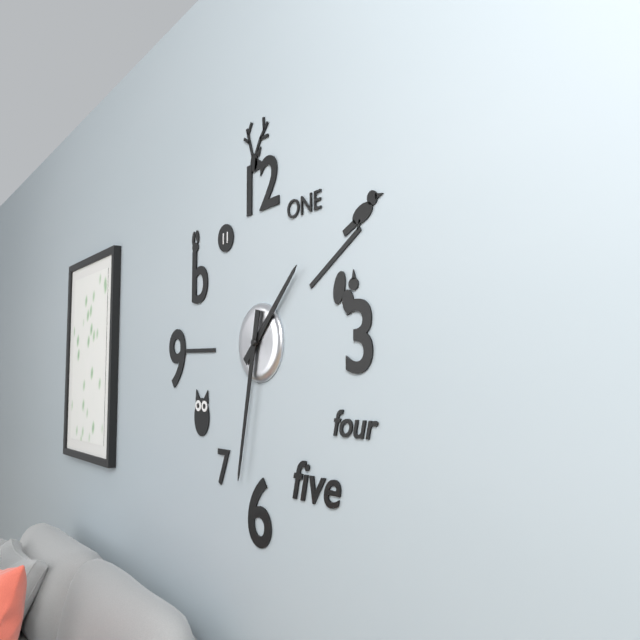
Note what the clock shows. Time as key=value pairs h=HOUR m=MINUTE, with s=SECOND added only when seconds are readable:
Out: h=1 m=32
